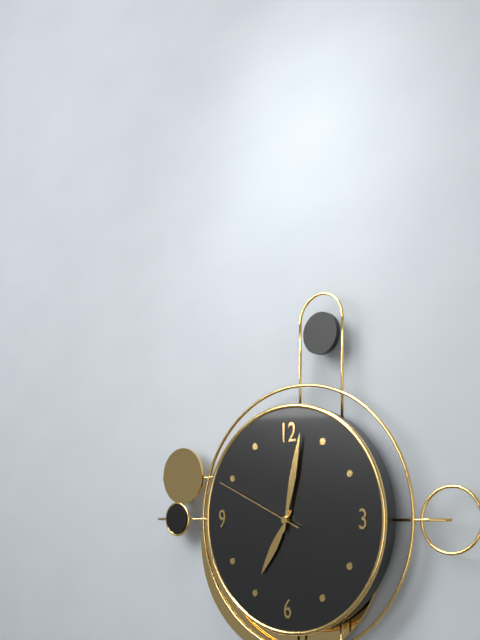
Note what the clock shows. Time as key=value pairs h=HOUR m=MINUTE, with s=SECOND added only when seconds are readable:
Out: h=7 m=2 s=49
